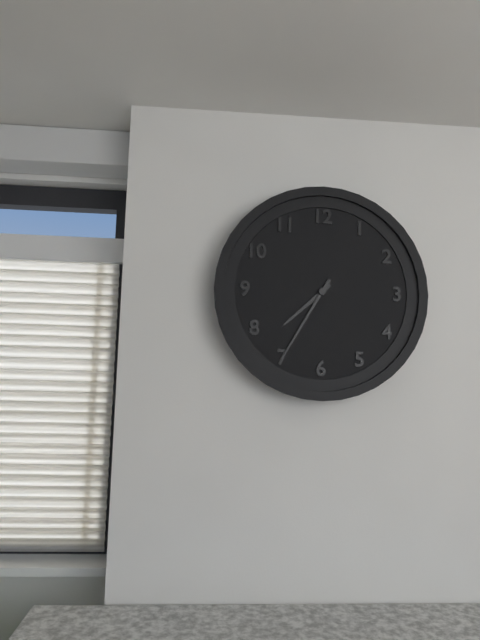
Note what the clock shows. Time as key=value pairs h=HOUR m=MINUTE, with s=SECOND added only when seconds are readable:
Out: h=7 m=35
